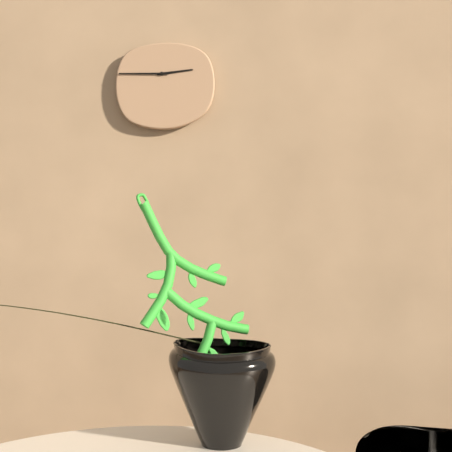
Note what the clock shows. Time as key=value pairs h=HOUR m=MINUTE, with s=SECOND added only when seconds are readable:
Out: h=2 m=45
